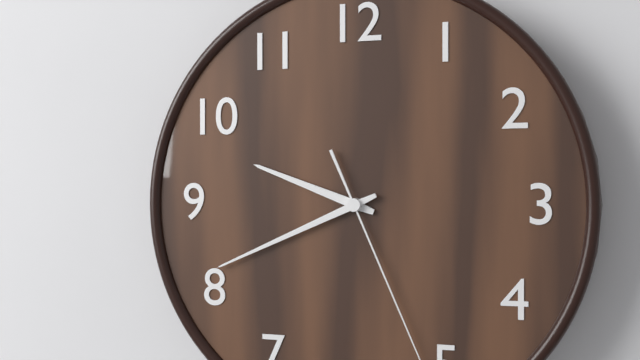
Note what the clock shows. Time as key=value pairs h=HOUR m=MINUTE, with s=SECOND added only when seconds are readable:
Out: h=9 m=41
